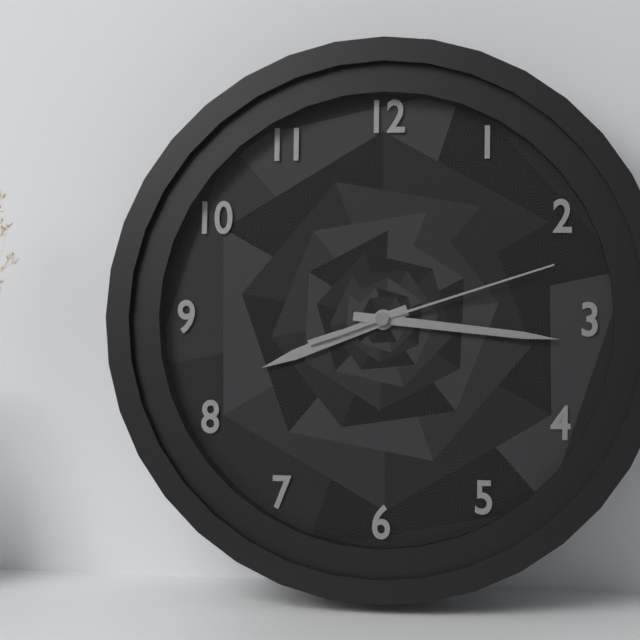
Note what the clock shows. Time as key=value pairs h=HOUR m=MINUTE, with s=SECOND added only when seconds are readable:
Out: h=8 m=16 s=12
